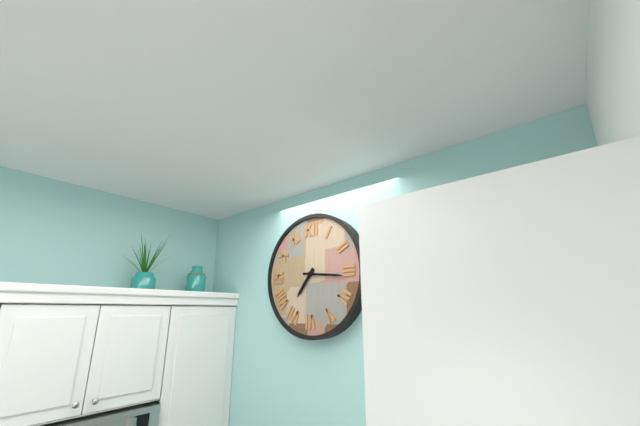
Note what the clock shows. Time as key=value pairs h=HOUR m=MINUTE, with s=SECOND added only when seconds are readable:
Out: h=7 m=16
